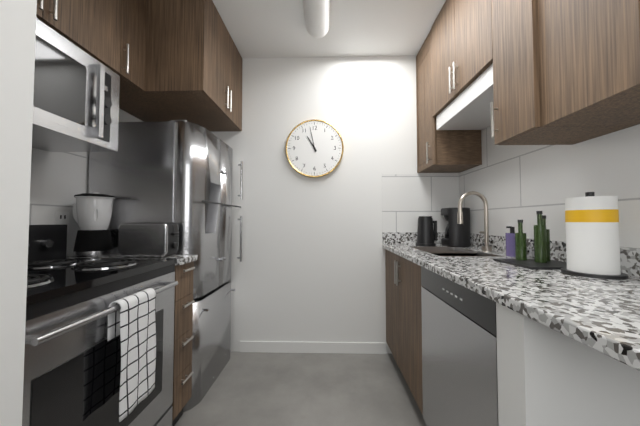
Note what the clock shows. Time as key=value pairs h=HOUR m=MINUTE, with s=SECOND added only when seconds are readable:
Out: h=10 m=58
